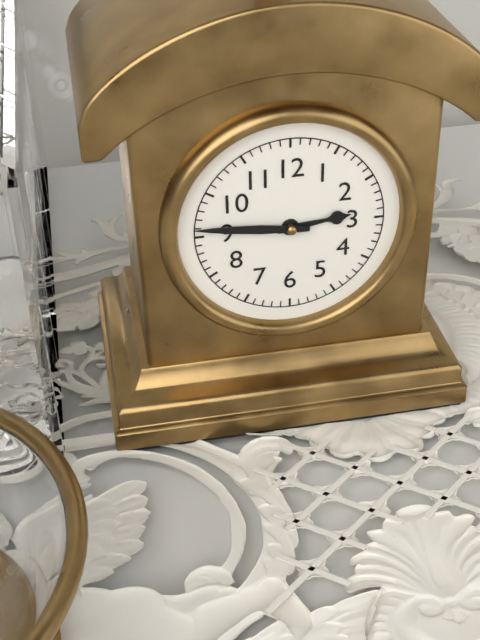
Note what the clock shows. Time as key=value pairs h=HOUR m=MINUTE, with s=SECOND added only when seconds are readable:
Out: h=2 m=46
